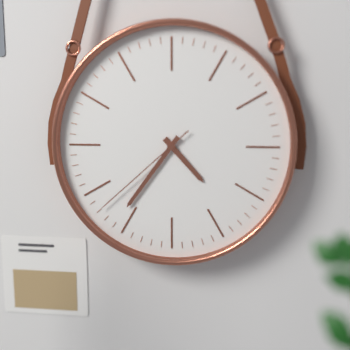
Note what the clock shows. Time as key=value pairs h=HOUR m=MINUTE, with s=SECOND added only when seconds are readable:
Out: h=4 m=36 s=38
